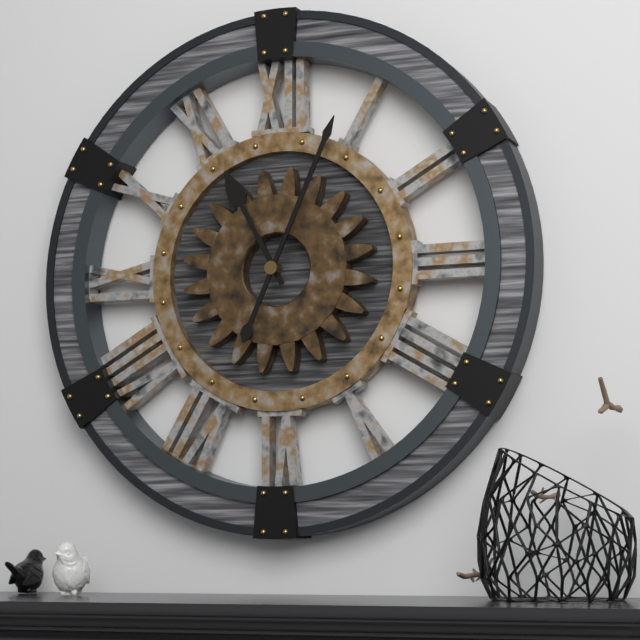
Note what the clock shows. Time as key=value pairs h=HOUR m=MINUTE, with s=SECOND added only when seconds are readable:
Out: h=11 m=4
